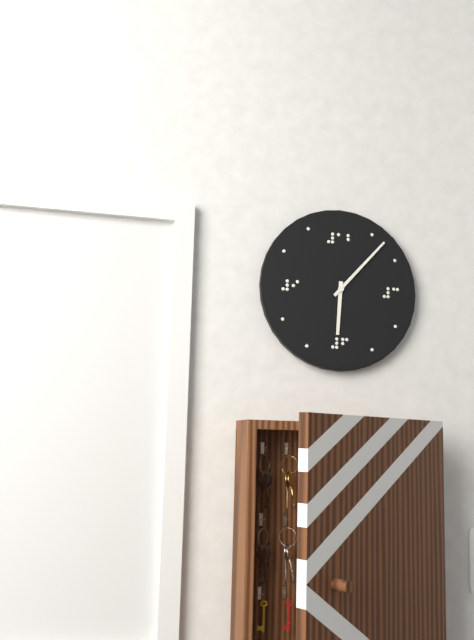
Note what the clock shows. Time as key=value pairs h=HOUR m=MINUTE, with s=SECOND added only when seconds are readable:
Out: h=6 m=7
